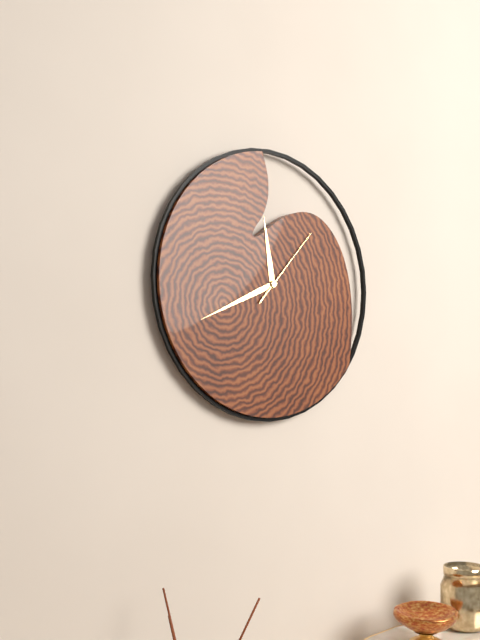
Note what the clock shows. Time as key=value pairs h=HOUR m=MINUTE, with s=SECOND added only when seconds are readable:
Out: h=11 m=41 s=7
